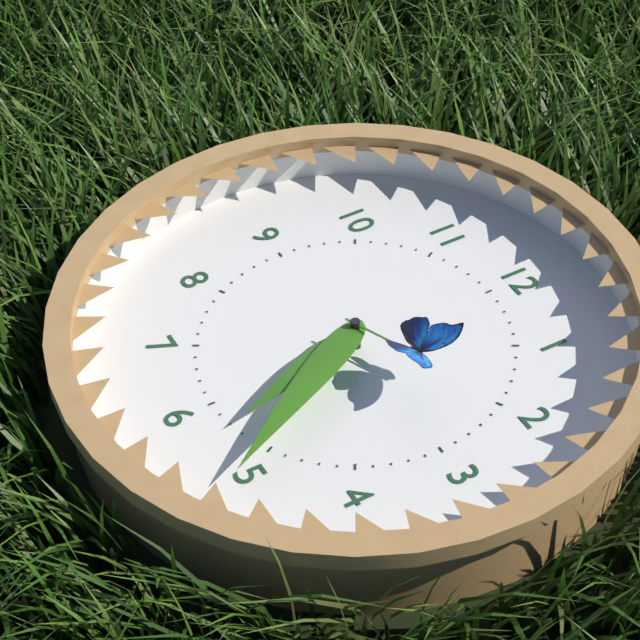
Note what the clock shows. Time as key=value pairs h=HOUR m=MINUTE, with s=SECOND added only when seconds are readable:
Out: h=5 m=25 s=11
